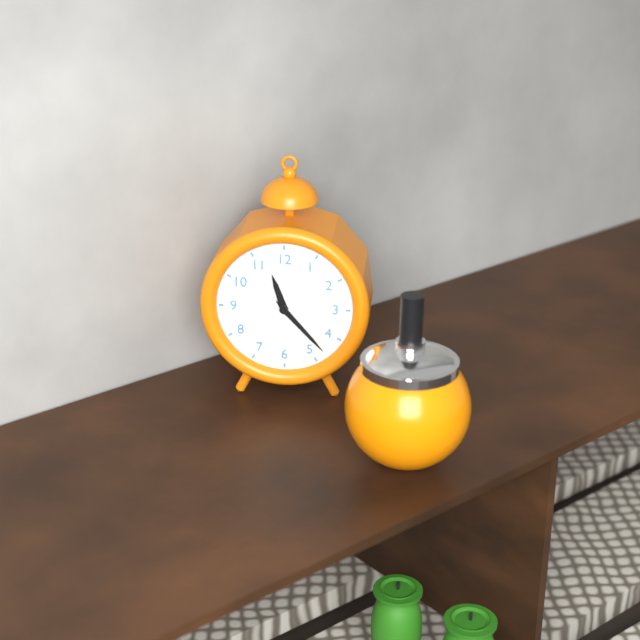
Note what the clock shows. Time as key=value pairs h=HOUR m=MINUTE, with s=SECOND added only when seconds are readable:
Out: h=11 m=23
